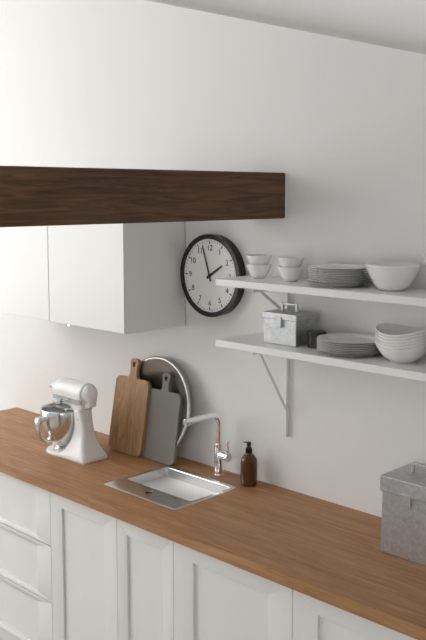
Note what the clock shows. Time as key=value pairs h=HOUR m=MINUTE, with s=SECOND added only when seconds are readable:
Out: h=1 m=57
